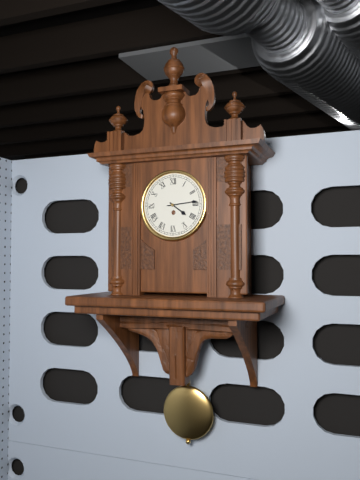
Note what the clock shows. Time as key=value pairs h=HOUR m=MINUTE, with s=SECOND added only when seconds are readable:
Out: h=4 m=14
